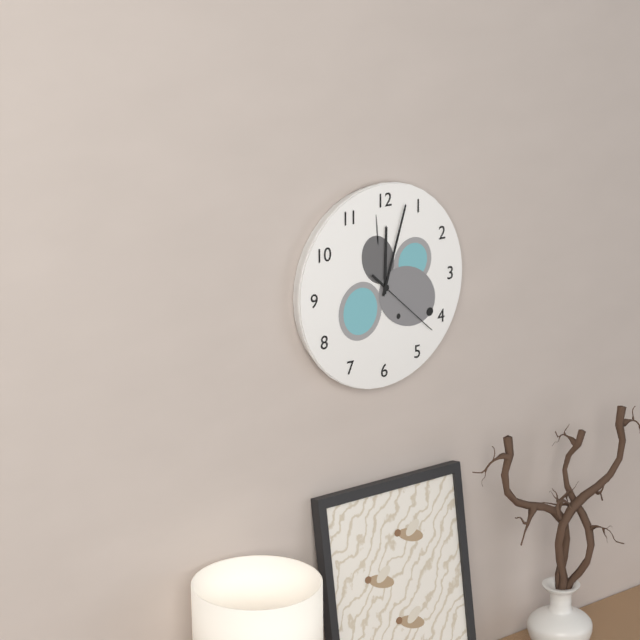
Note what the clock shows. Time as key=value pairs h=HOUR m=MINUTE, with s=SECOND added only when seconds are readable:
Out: h=12 m=3 s=22
